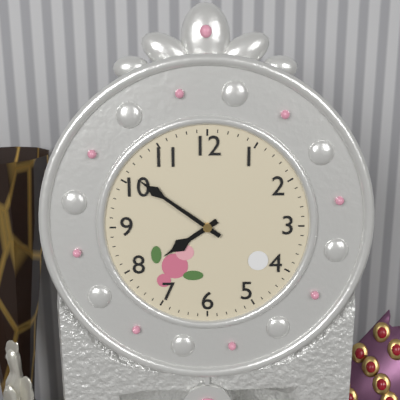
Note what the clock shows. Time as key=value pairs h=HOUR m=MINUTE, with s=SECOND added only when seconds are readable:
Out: h=7 m=51
